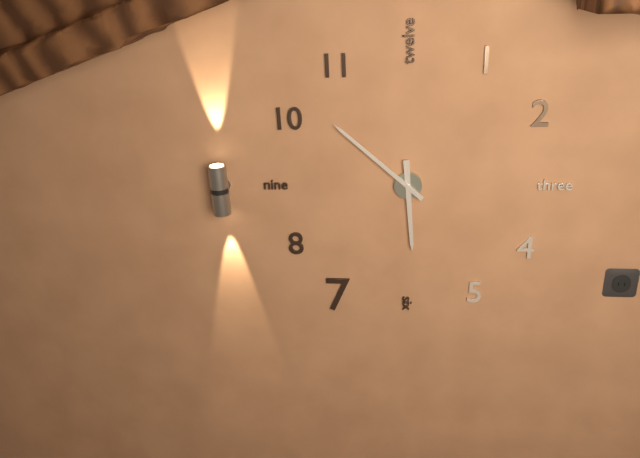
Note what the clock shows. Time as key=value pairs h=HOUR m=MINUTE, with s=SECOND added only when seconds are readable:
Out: h=5 m=52
